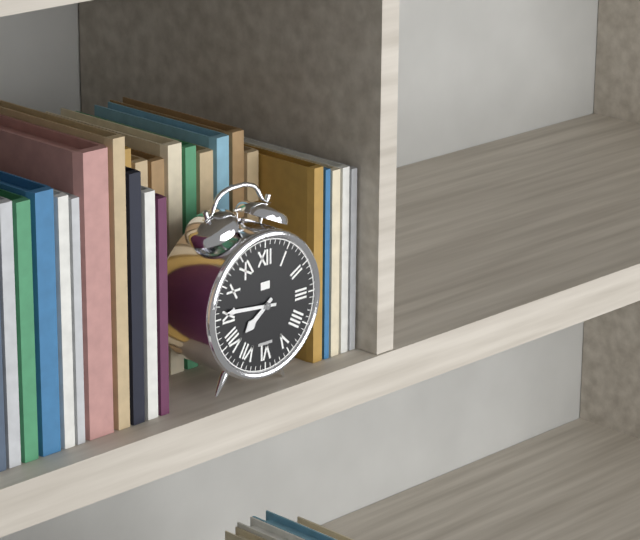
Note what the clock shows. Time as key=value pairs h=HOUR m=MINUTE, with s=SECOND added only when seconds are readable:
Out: h=7 m=46
